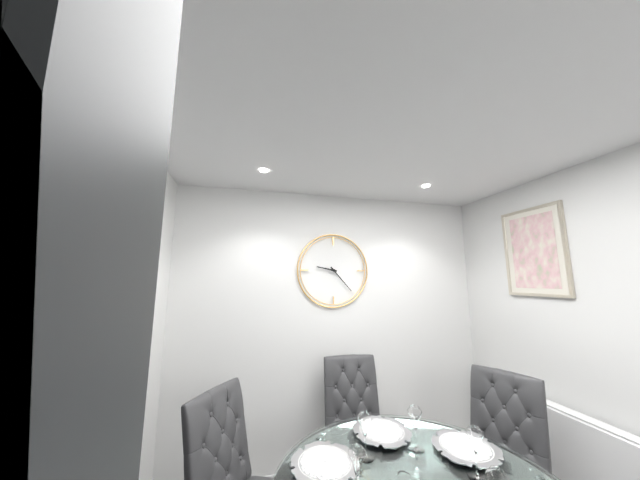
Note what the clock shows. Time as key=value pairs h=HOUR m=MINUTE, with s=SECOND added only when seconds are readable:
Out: h=9 m=23
